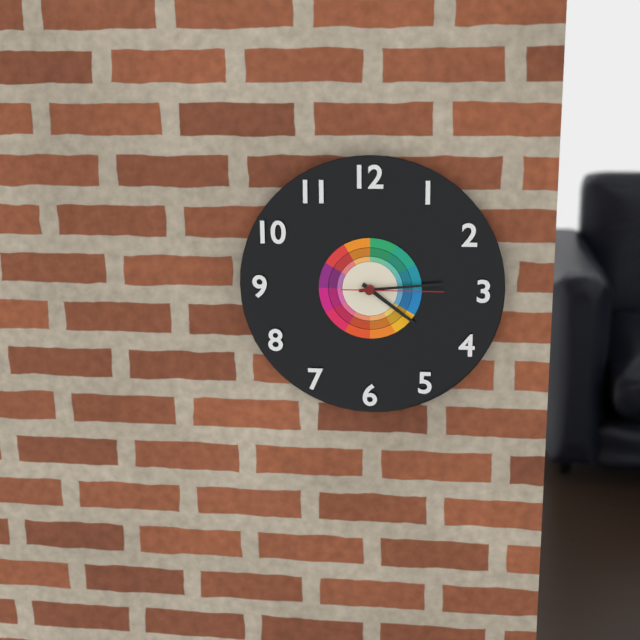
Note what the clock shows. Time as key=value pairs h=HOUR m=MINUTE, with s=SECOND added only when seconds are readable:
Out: h=4 m=14 s=15
